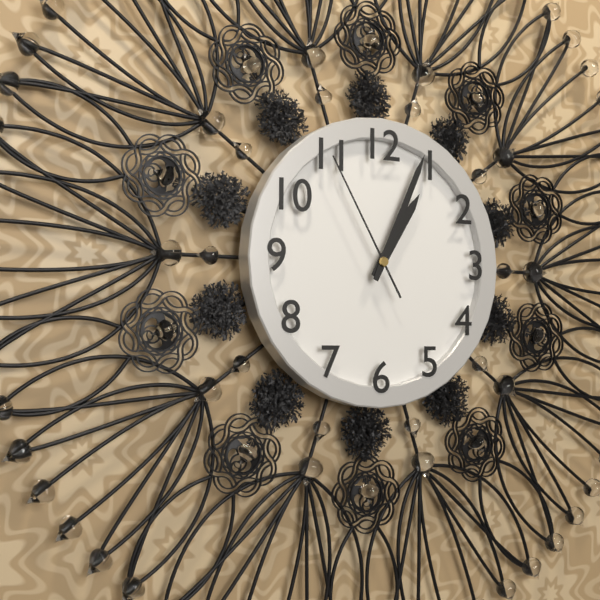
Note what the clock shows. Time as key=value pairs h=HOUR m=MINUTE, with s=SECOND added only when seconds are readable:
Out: h=1 m=4 s=55
